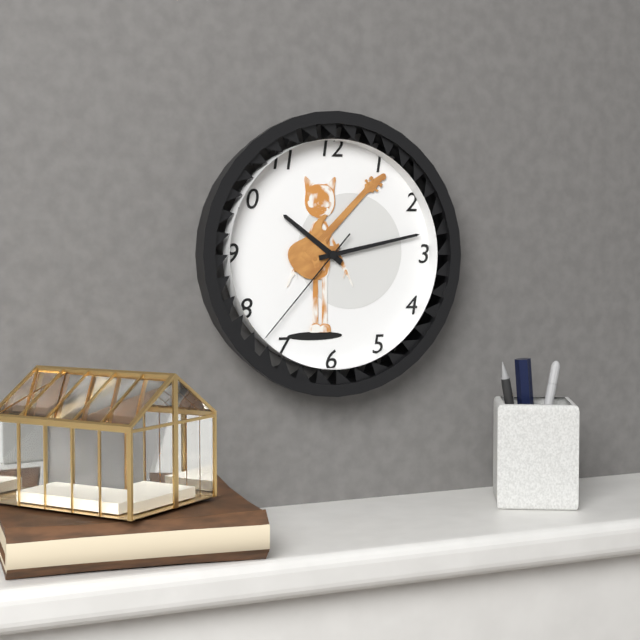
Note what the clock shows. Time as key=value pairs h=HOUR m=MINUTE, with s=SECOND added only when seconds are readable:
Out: h=10 m=13 s=37
